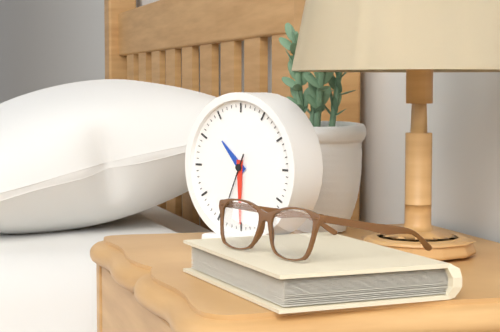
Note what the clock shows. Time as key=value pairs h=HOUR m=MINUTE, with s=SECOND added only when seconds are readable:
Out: h=10 m=30
